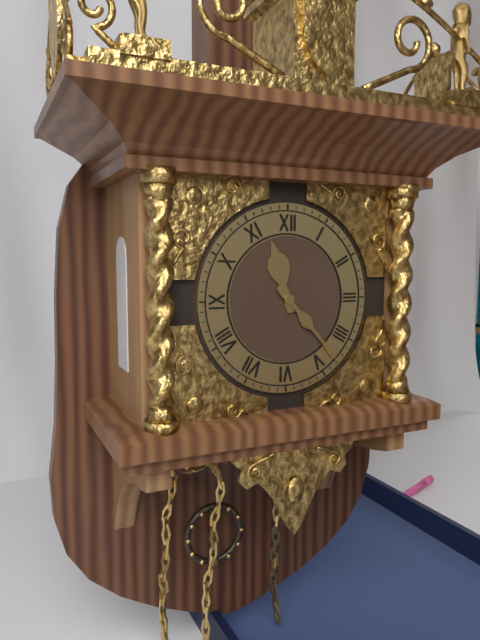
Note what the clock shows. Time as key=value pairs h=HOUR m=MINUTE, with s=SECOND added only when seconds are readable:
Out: h=11 m=23
